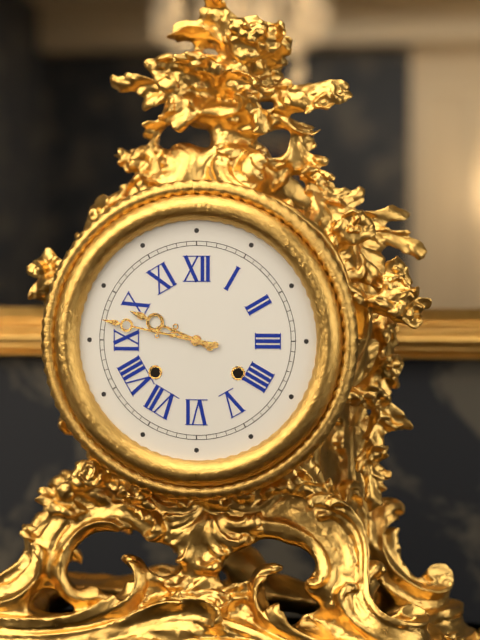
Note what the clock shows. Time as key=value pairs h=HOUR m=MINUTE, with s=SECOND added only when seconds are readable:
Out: h=9 m=47
